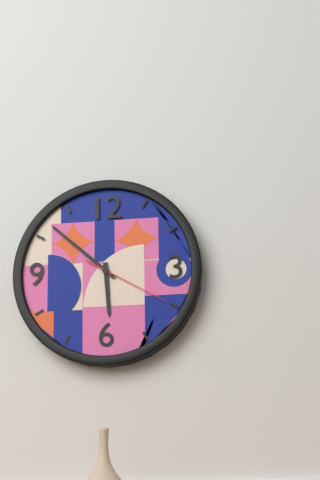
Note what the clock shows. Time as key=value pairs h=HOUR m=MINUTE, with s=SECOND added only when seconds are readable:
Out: h=5 m=52 s=20
